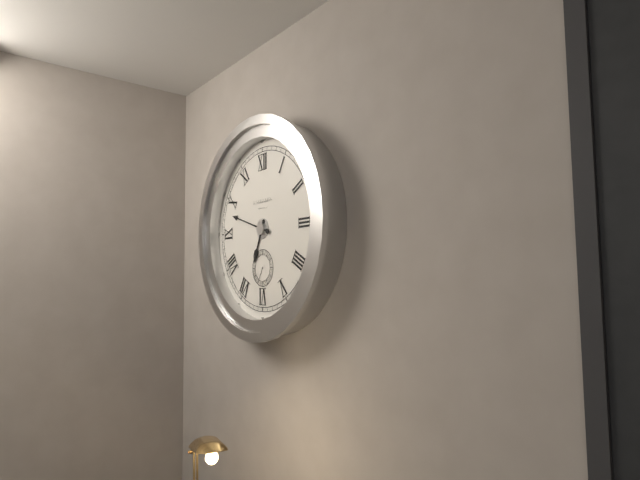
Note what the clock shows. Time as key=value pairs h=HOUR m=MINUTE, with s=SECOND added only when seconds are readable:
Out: h=6 m=48
